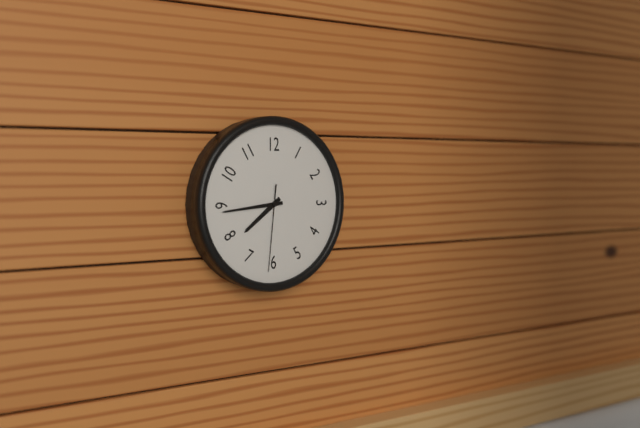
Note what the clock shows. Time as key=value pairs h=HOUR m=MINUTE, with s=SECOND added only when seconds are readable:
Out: h=7 m=44 s=31
